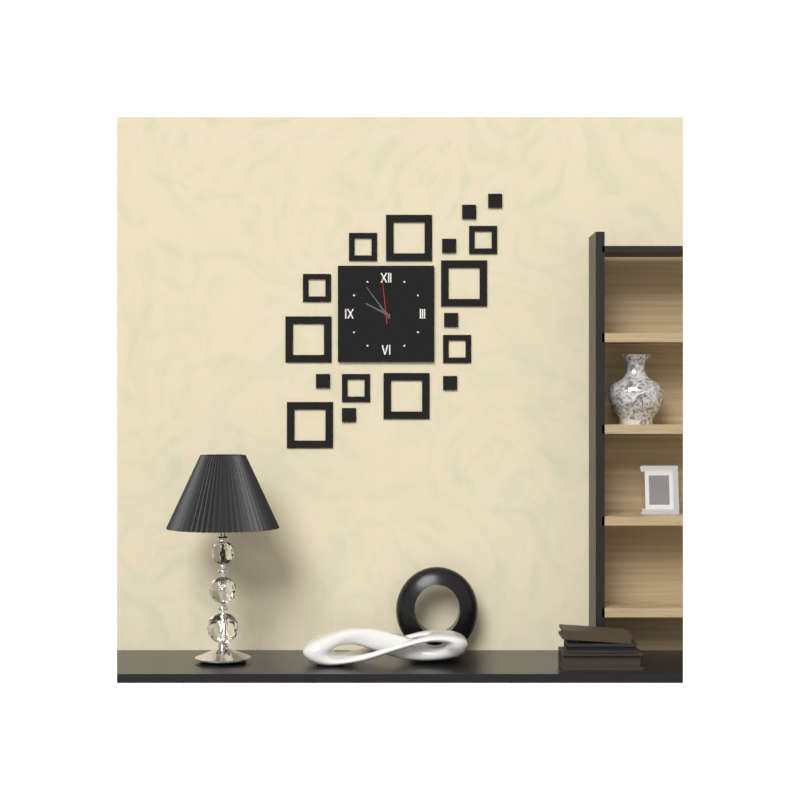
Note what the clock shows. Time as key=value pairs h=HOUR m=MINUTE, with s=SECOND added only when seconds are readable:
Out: h=9 m=54
